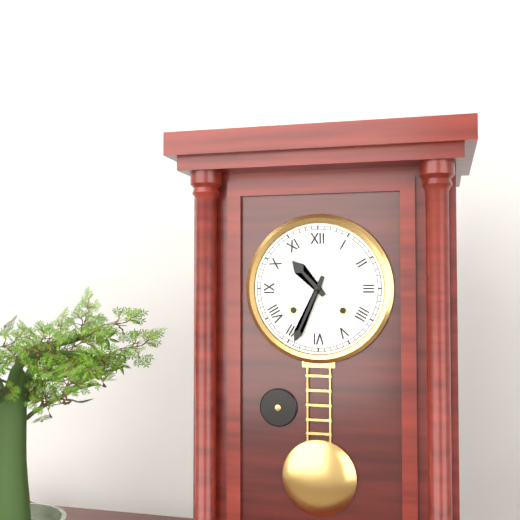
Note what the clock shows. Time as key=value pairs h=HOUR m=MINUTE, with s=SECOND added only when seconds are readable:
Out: h=10 m=34
